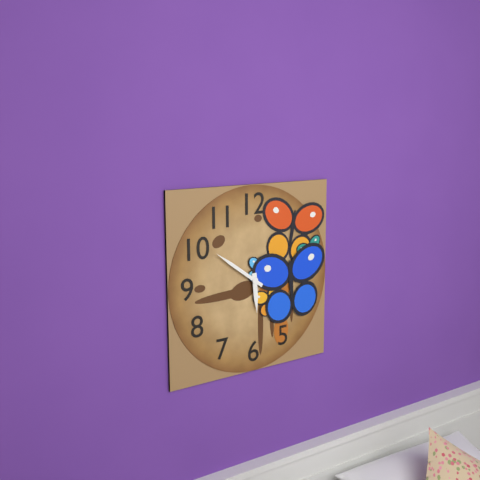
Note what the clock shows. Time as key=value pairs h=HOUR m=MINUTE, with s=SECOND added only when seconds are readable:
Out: h=5 m=51
